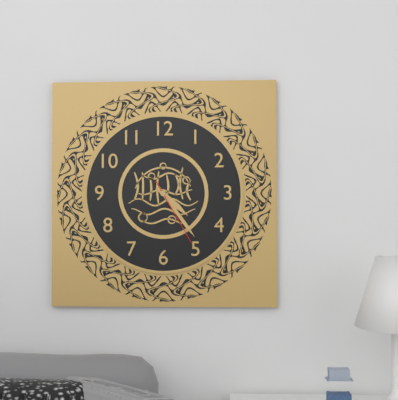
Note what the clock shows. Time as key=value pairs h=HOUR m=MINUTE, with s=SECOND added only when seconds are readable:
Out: h=4 m=24 s=25
